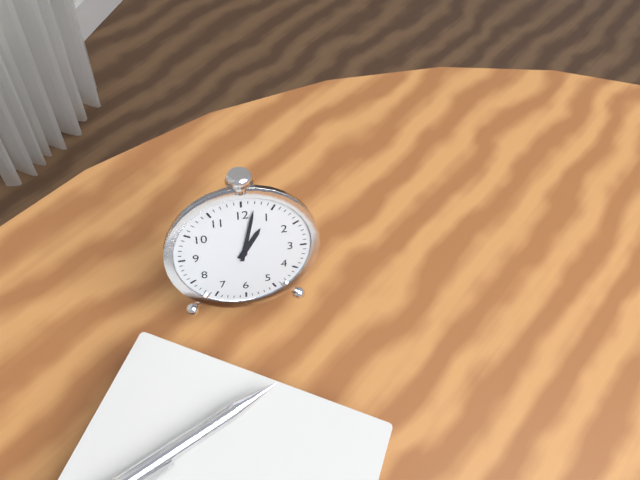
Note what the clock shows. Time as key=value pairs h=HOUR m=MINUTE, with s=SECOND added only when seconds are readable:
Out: h=1 m=2
